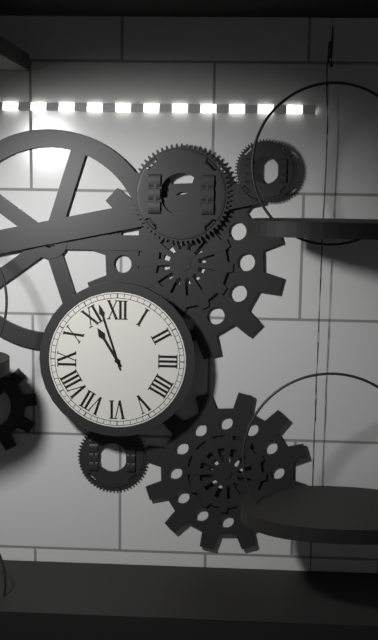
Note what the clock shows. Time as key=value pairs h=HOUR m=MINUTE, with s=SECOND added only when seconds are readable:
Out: h=10 m=57
